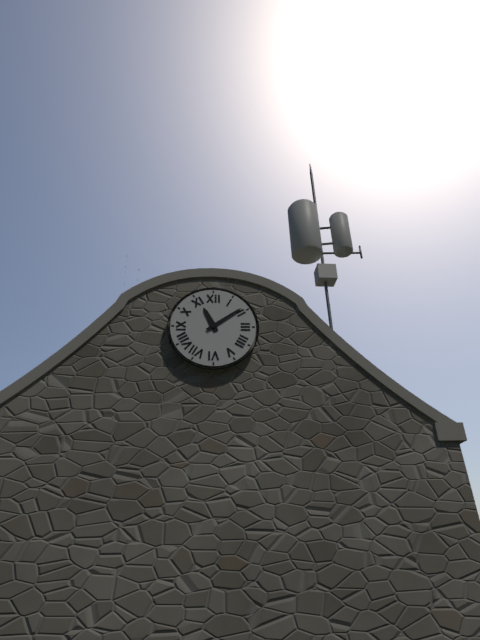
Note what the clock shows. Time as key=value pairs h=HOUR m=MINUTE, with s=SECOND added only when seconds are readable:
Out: h=11 m=9
